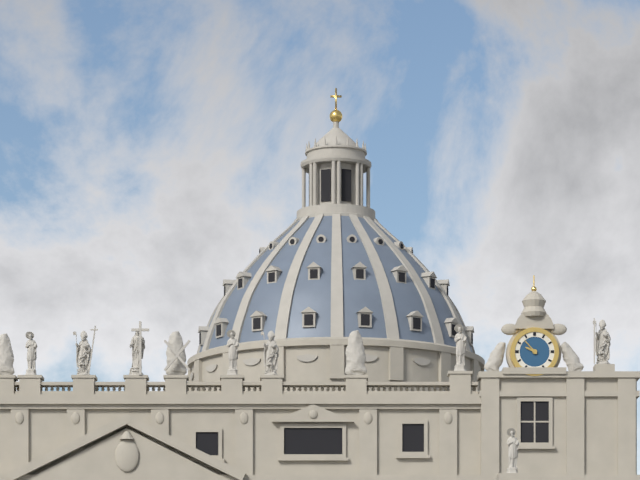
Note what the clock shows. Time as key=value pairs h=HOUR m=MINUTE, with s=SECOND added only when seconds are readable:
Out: h=9 m=53
